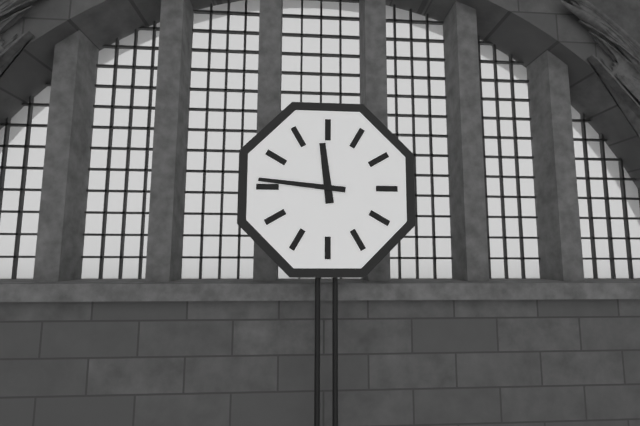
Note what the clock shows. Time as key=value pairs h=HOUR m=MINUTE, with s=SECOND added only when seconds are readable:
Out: h=11 m=46
